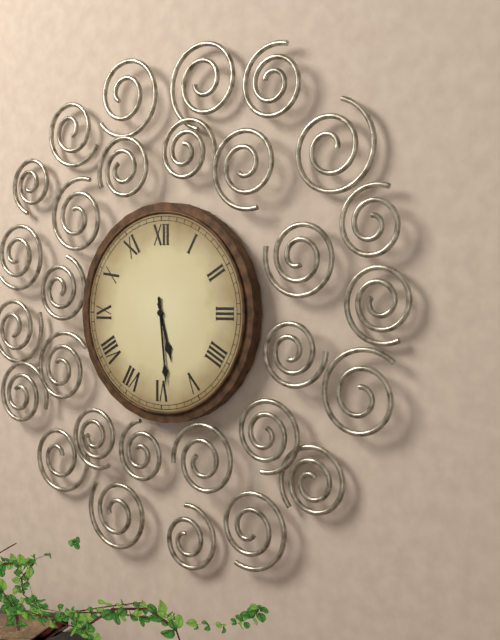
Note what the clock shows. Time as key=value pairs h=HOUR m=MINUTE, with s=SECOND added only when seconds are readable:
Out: h=5 m=29
